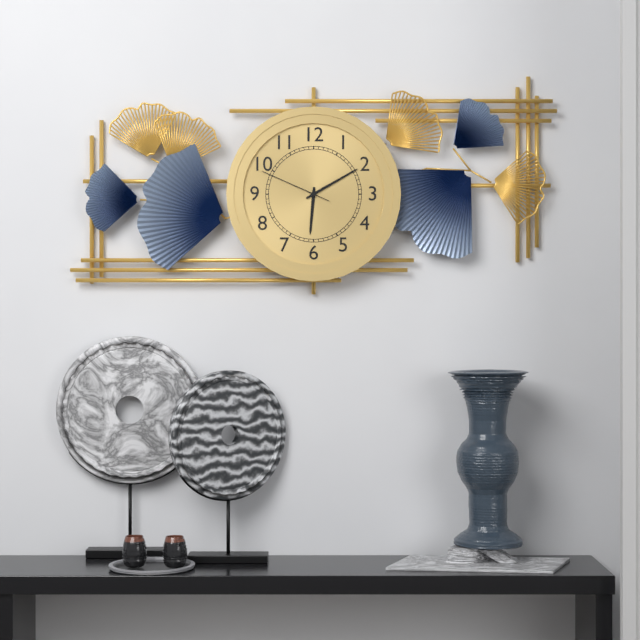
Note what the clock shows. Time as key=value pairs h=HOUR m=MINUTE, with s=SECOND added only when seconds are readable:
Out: h=6 m=10 s=49
